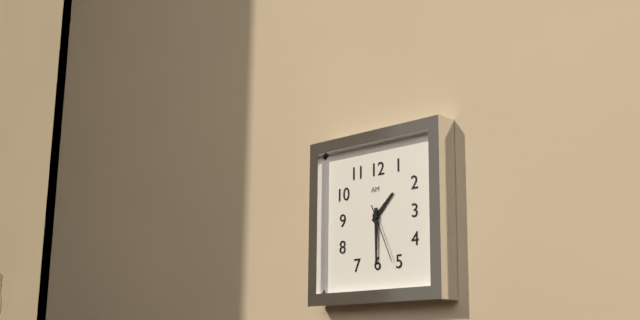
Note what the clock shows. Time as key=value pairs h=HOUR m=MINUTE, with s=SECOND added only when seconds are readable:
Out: h=1 m=30 s=26
